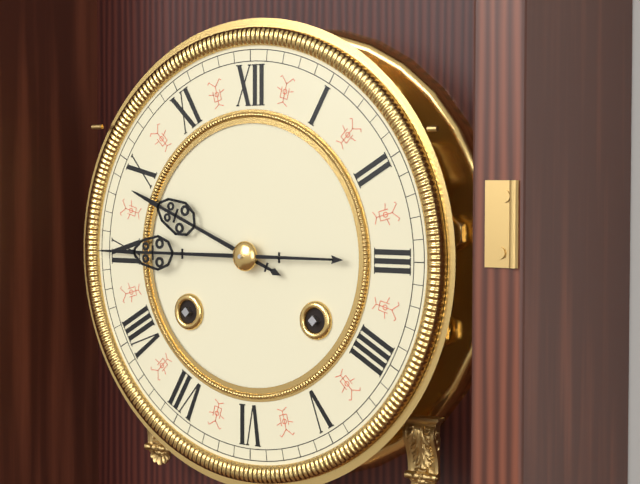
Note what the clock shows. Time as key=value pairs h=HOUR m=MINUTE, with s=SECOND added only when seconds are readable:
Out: h=9 m=45
